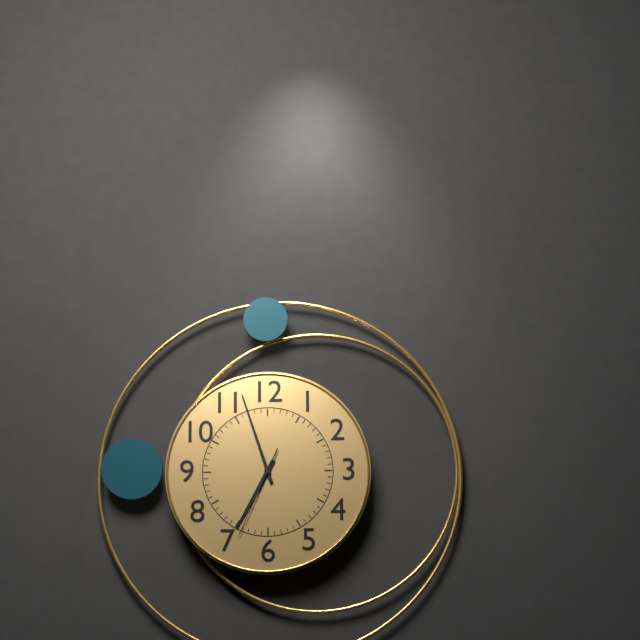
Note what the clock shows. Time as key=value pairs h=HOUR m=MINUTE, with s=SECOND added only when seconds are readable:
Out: h=6 m=57 s=34
